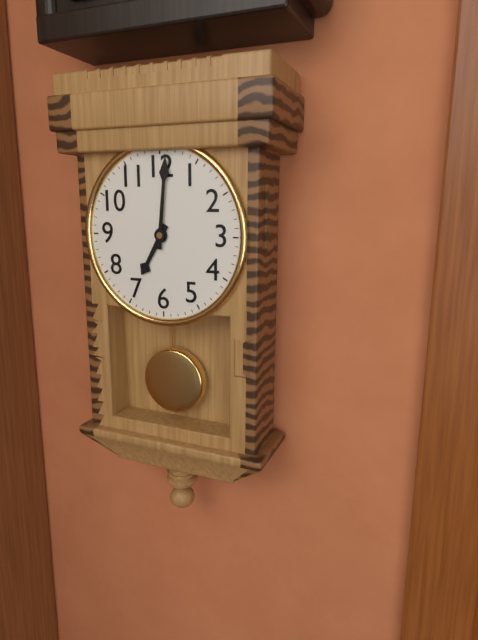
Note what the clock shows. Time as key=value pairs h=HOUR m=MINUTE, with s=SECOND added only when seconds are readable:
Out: h=7 m=1
